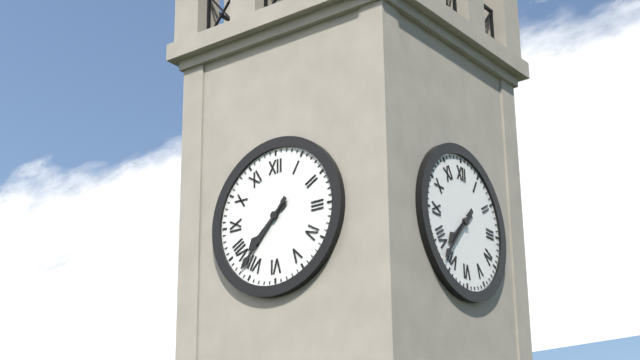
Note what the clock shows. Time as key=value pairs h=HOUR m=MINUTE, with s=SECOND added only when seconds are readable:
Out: h=7 m=37
